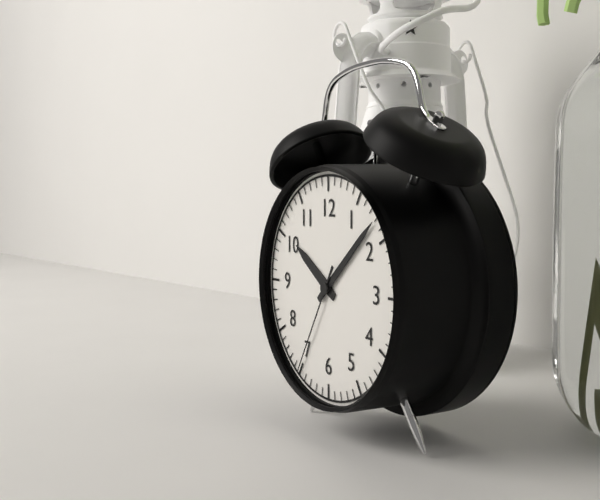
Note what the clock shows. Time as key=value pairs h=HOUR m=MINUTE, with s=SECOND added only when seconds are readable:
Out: h=10 m=8 s=35
